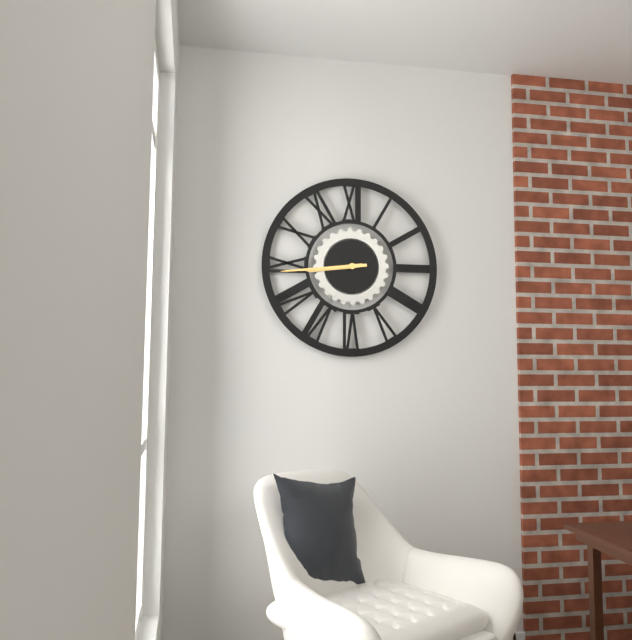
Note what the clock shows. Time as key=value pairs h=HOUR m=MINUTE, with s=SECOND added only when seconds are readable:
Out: h=8 m=44
